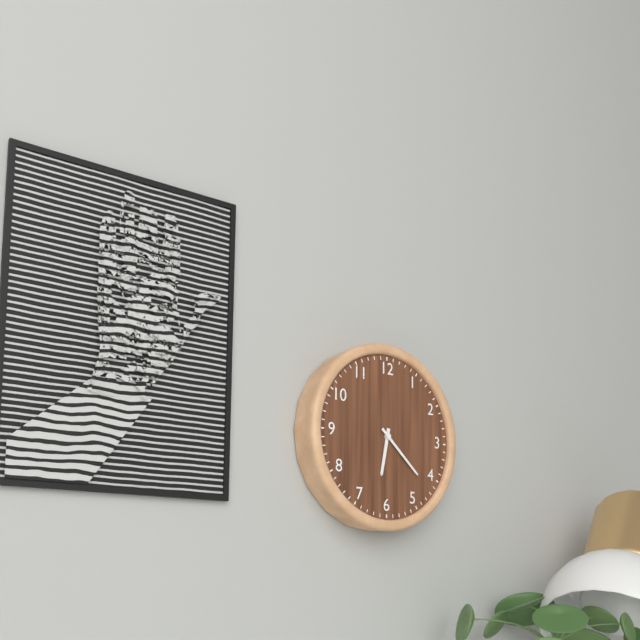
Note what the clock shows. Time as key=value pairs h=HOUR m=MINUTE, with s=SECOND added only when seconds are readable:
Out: h=6 m=22
